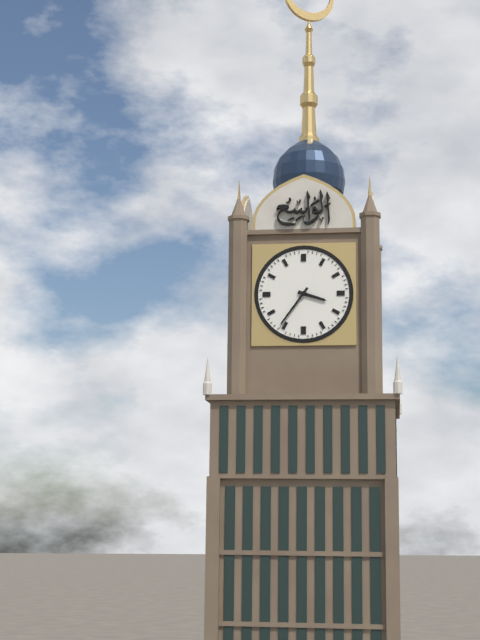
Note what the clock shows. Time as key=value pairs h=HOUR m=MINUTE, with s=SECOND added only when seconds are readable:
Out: h=3 m=36
